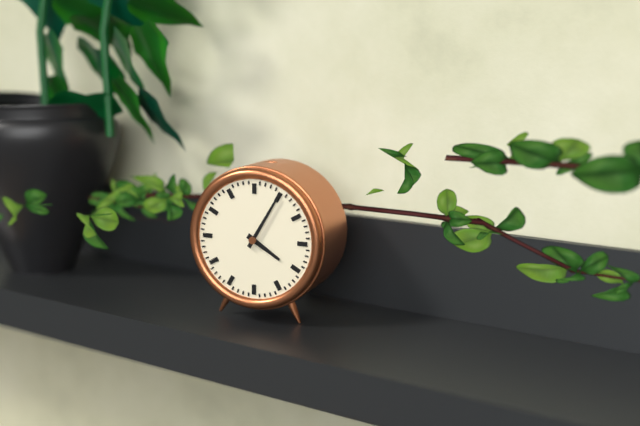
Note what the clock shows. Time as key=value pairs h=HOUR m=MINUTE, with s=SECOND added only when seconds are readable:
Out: h=4 m=5
